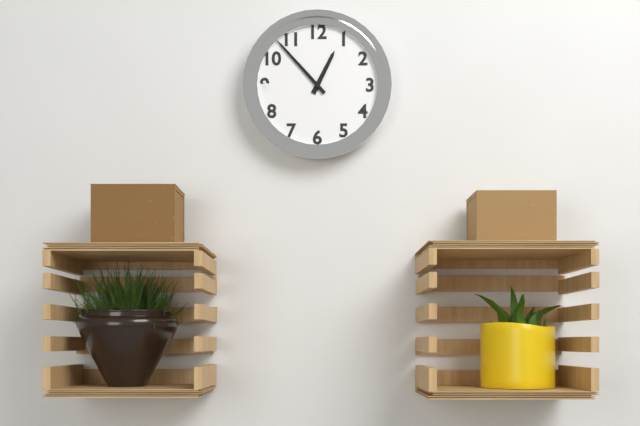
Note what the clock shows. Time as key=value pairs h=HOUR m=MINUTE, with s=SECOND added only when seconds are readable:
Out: h=12 m=53
